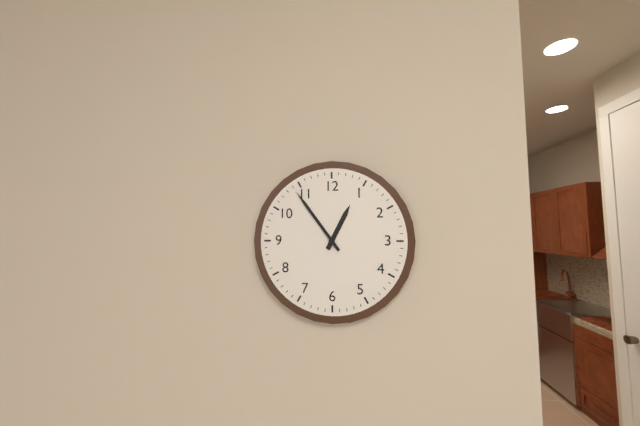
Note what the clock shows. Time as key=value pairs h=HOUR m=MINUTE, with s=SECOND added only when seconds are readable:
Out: h=12 m=54
